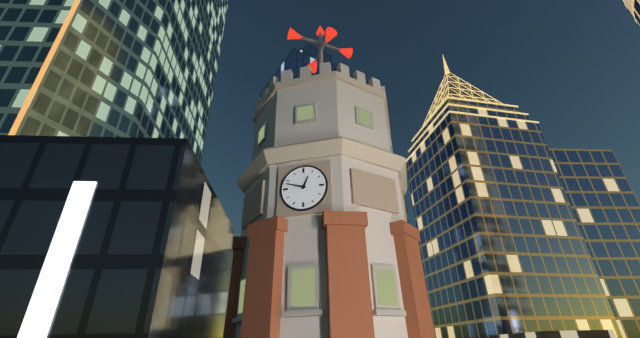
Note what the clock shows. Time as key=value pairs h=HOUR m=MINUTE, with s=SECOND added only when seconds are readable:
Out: h=12 m=48
